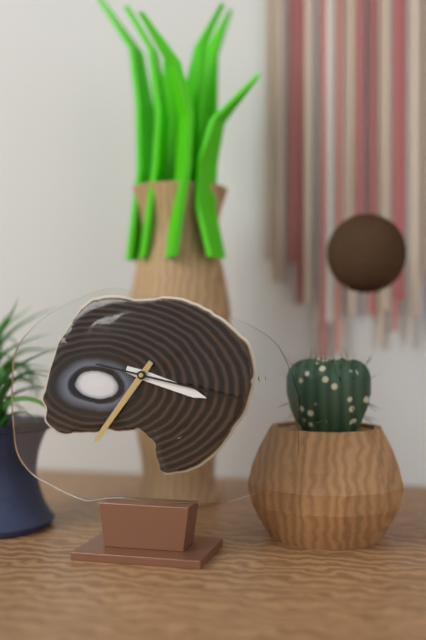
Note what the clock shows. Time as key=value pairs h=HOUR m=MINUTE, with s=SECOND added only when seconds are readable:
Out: h=3 m=36 s=17
